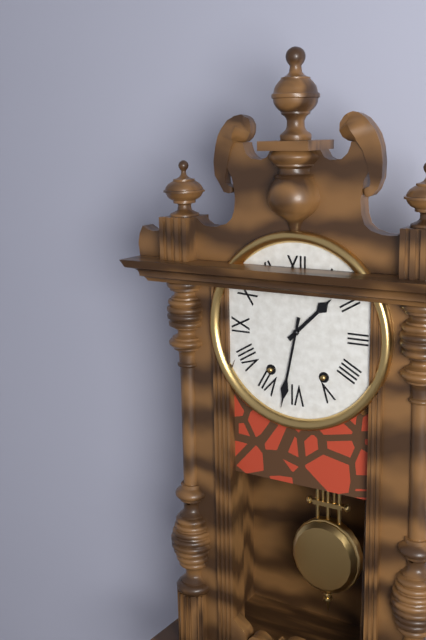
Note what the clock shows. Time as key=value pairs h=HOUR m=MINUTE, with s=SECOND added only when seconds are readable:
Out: h=1 m=32
